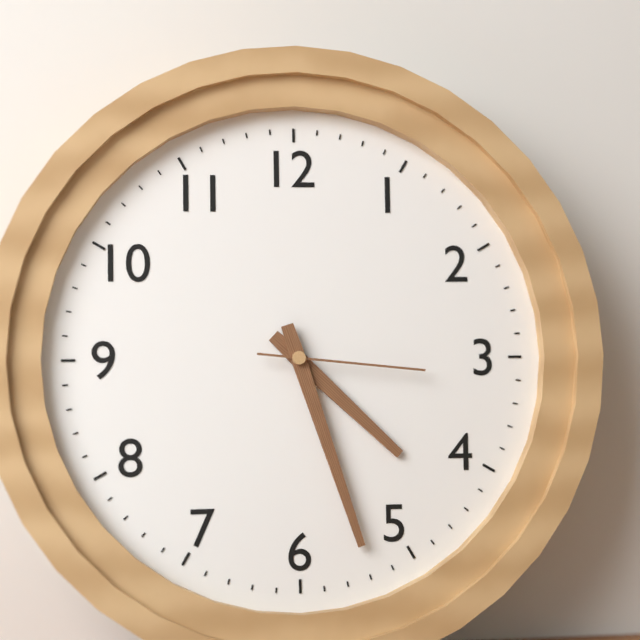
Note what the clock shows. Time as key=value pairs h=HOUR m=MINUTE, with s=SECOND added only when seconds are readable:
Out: h=4 m=27 s=16
